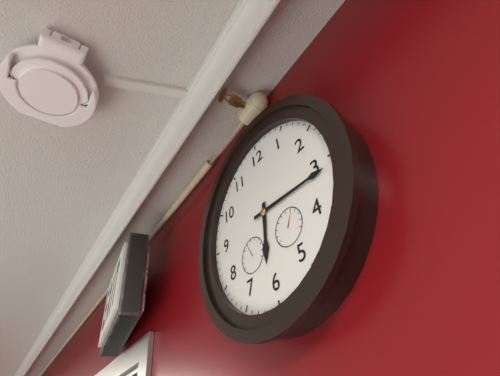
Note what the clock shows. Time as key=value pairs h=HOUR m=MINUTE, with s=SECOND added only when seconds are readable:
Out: h=6 m=16
